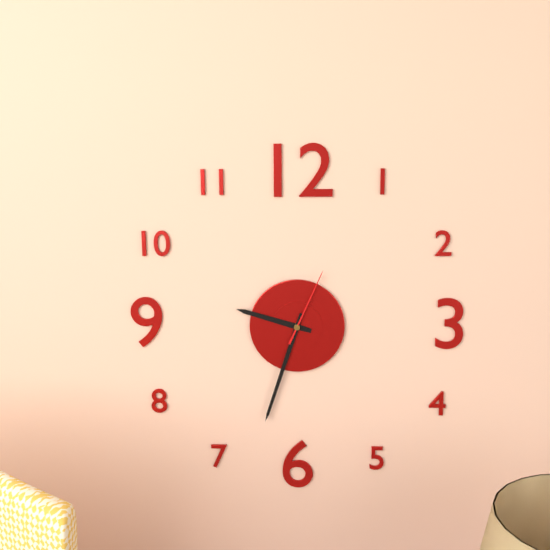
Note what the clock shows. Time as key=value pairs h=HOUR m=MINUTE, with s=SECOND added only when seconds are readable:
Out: h=9 m=33 s=4
